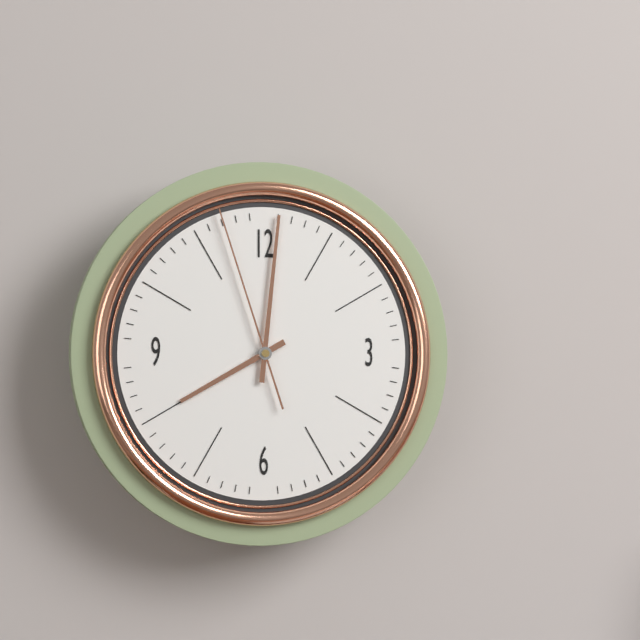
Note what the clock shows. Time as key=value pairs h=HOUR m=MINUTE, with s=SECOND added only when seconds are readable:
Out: h=8 m=1 s=57
